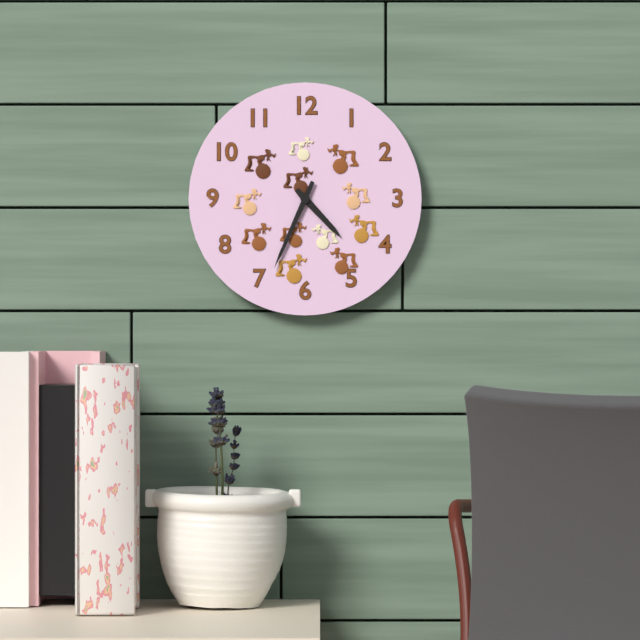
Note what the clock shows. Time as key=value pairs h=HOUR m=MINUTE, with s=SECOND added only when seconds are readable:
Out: h=4 m=34
